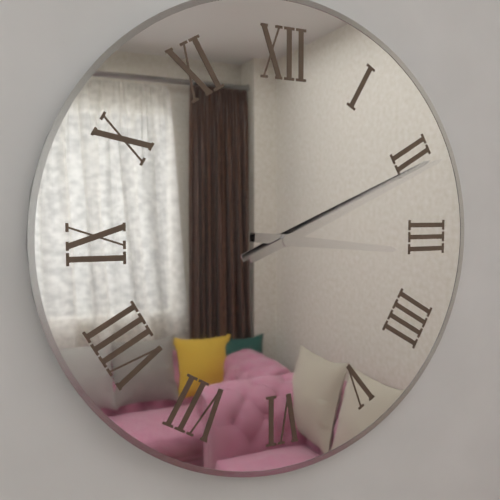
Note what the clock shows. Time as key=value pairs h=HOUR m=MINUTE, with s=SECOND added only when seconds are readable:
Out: h=3 m=11
